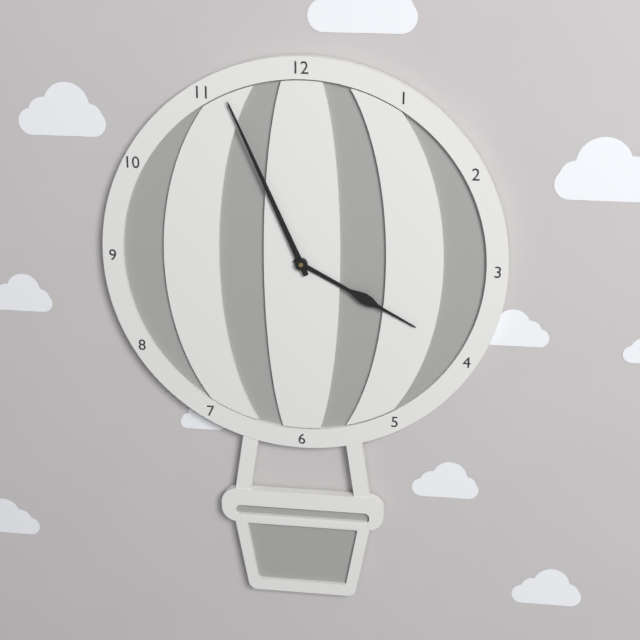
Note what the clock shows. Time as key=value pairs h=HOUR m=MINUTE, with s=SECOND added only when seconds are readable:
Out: h=3 m=56
